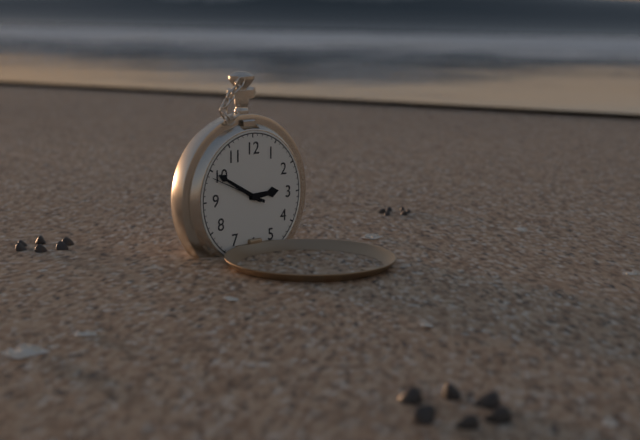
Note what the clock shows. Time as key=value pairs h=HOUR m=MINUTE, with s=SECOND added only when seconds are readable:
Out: h=2 m=50 s=49
